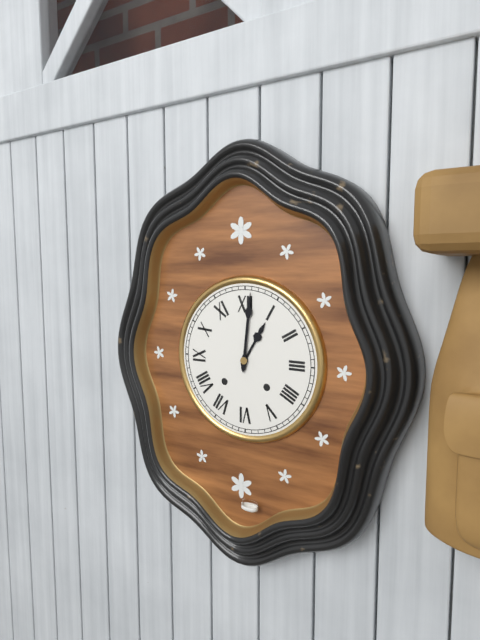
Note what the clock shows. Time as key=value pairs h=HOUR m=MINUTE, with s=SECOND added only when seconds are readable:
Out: h=1 m=1
